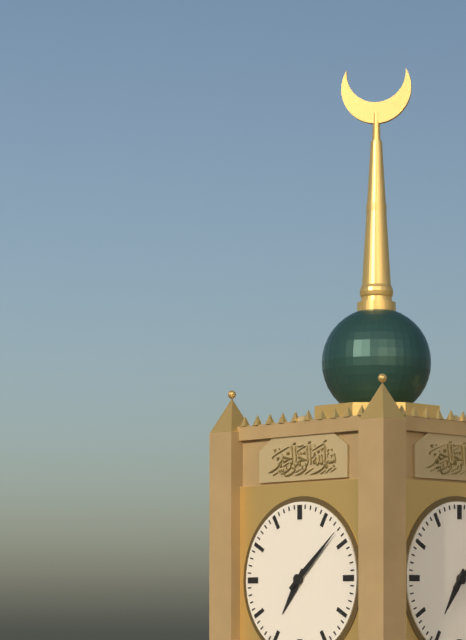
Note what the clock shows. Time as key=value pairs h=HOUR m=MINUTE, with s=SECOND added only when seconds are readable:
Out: h=7 m=8
